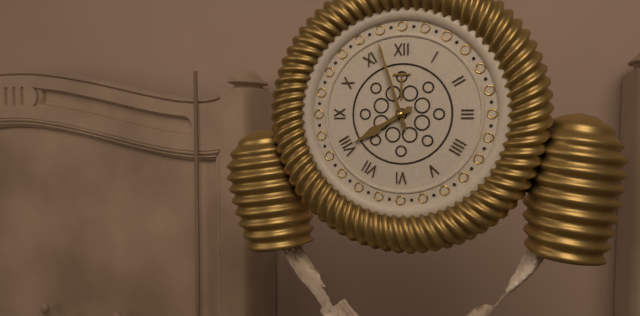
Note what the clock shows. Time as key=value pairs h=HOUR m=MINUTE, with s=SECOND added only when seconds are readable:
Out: h=7 m=57
